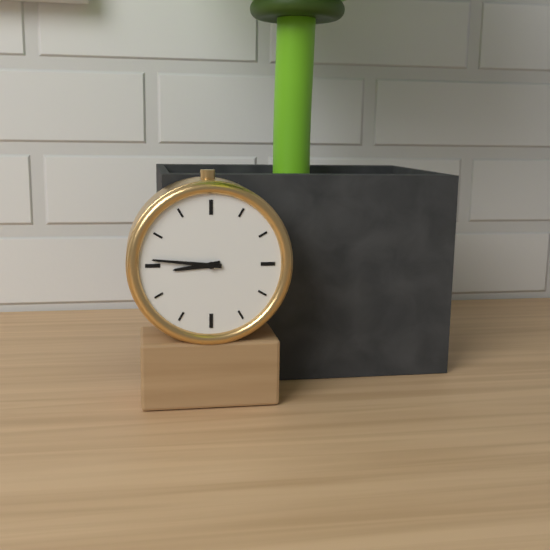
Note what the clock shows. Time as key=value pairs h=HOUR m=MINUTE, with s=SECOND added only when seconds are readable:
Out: h=8 m=46
